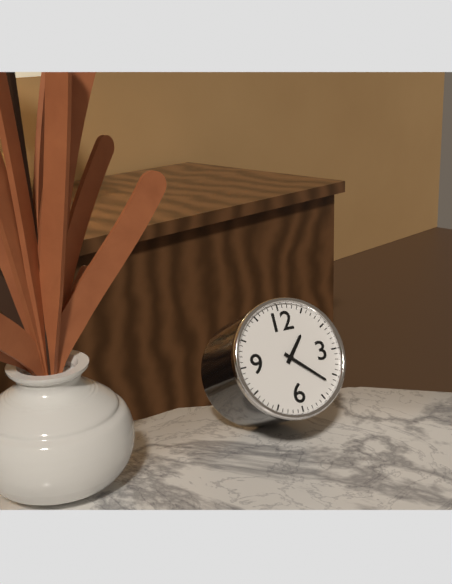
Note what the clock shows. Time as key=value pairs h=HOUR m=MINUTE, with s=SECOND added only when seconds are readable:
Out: h=1 m=22
